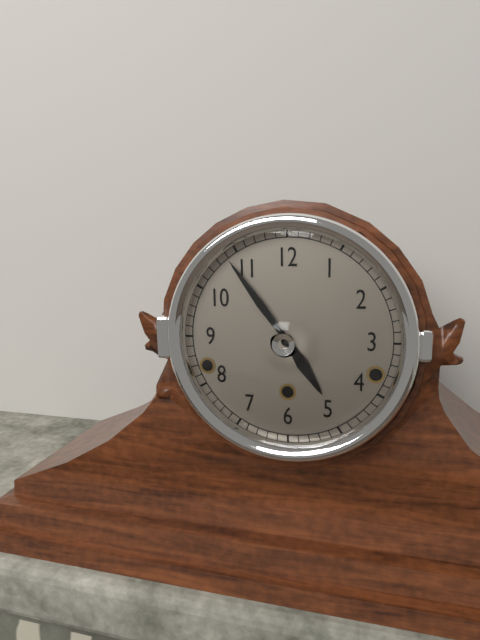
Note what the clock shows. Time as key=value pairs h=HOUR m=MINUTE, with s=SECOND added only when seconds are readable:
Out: h=4 m=54
